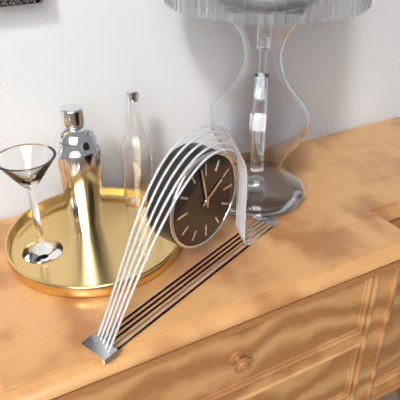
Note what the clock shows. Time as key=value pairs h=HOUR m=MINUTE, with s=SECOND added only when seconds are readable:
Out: h=1 m=58
